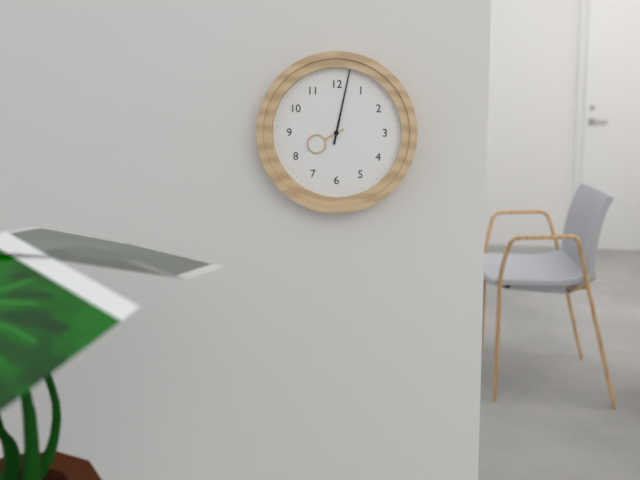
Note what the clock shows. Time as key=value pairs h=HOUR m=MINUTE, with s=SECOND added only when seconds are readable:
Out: h=8 m=2
